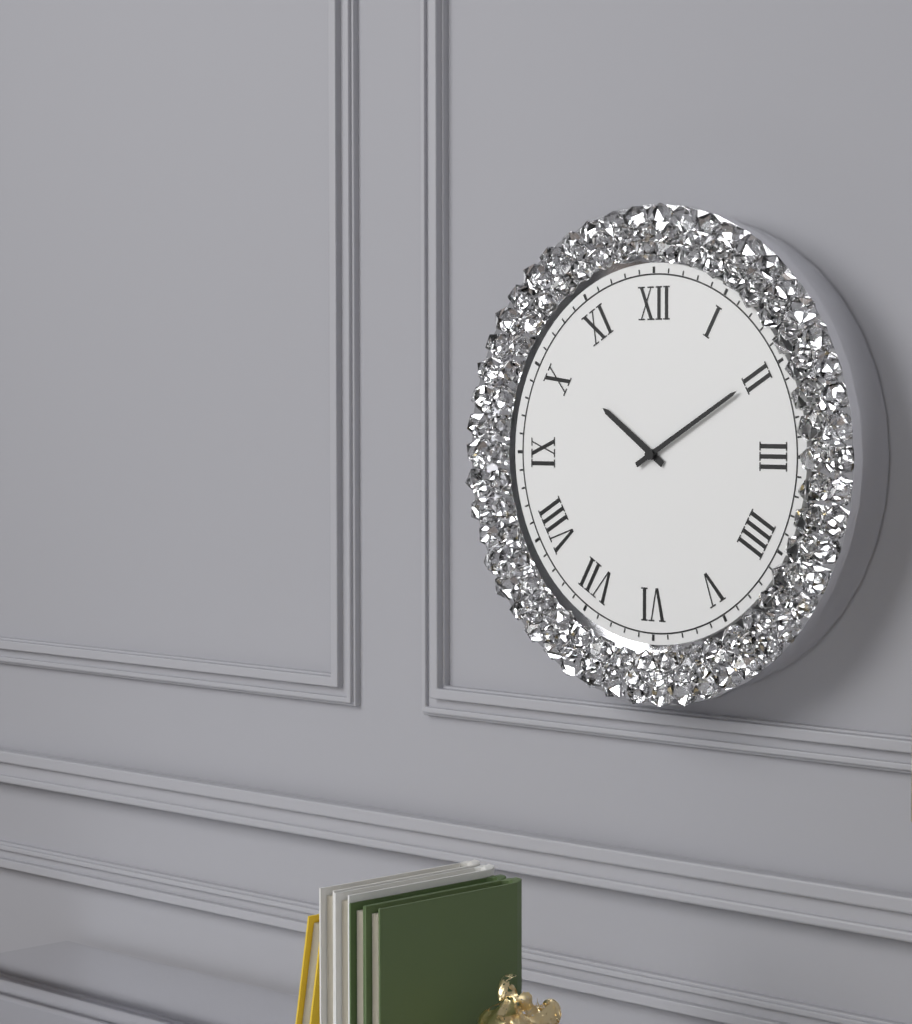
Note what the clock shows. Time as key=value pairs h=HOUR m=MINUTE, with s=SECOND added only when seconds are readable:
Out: h=10 m=10
